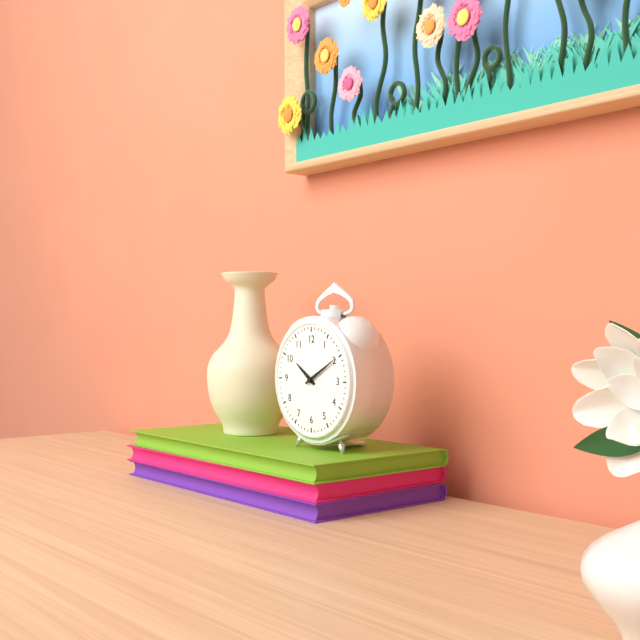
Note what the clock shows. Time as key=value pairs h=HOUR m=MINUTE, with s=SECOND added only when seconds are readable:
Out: h=10 m=10
